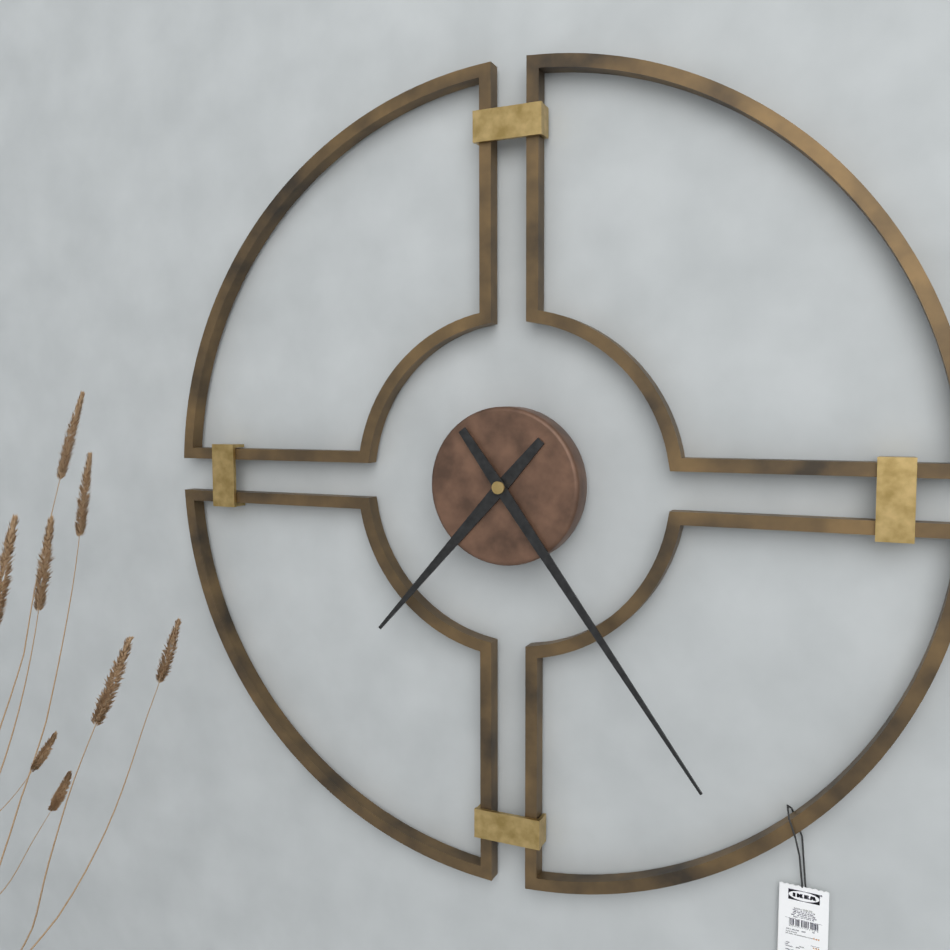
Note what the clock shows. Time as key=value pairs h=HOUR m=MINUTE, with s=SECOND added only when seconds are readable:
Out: h=7 m=24
